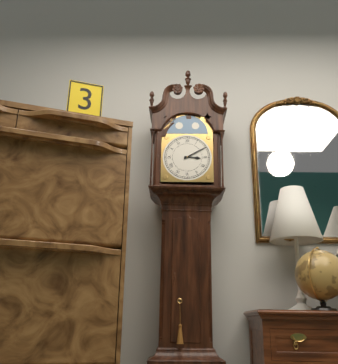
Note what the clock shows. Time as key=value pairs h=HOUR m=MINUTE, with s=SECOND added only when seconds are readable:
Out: h=3 m=10
